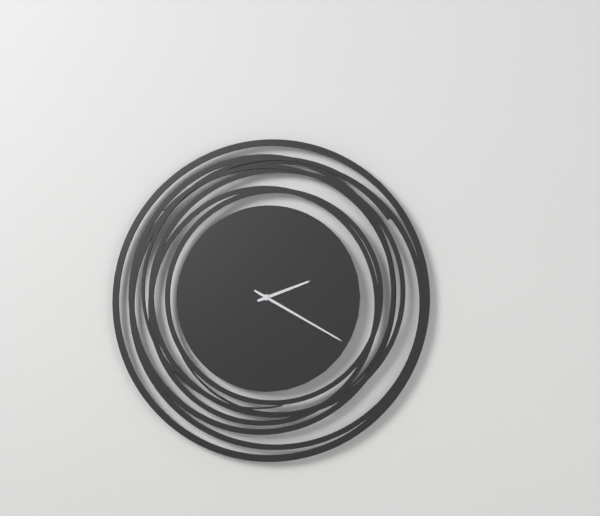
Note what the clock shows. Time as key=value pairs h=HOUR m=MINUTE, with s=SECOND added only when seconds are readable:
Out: h=2 m=20
